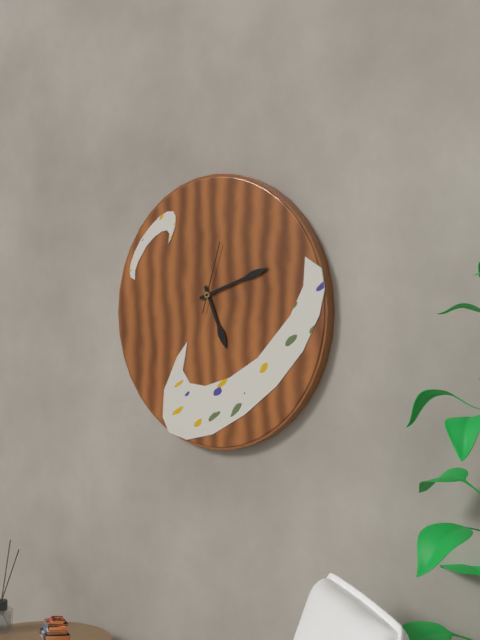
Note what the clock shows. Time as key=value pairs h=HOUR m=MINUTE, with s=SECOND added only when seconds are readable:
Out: h=5 m=12 s=3
